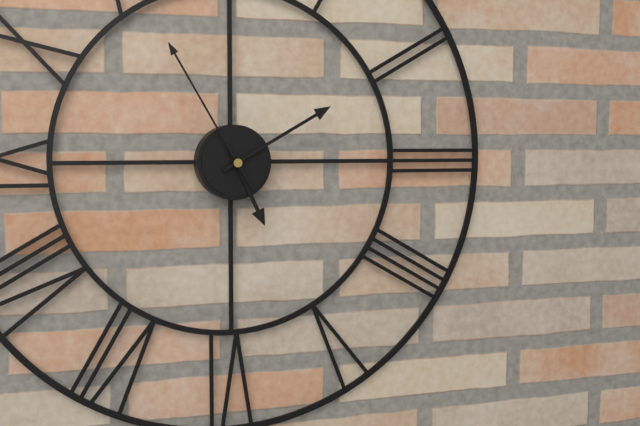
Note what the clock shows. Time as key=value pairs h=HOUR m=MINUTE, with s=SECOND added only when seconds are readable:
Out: h=5 m=10 s=55
